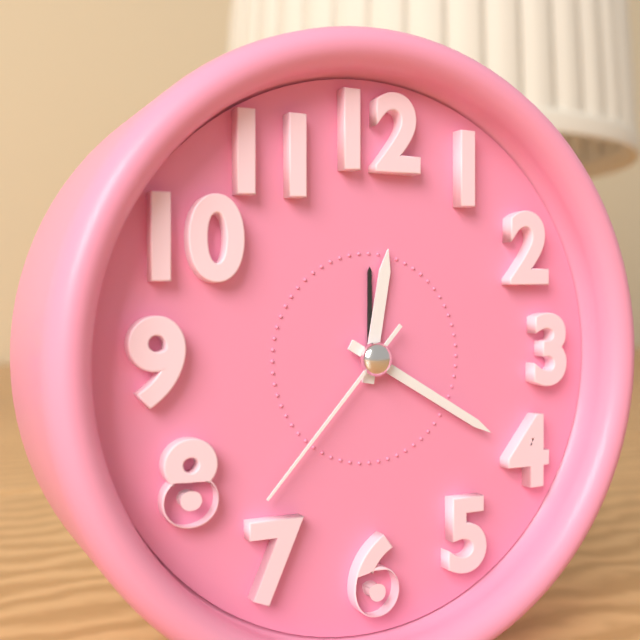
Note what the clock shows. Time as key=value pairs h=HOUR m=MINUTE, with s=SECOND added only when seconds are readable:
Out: h=12 m=20 s=37
